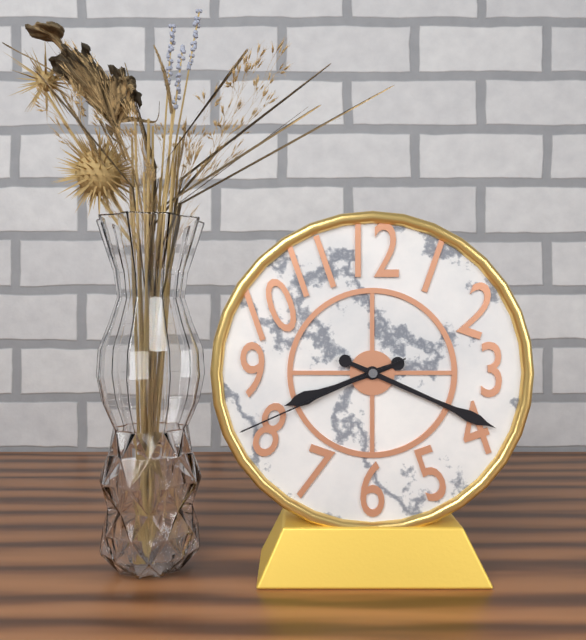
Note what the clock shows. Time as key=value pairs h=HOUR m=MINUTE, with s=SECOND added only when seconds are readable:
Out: h=8 m=19 s=41
